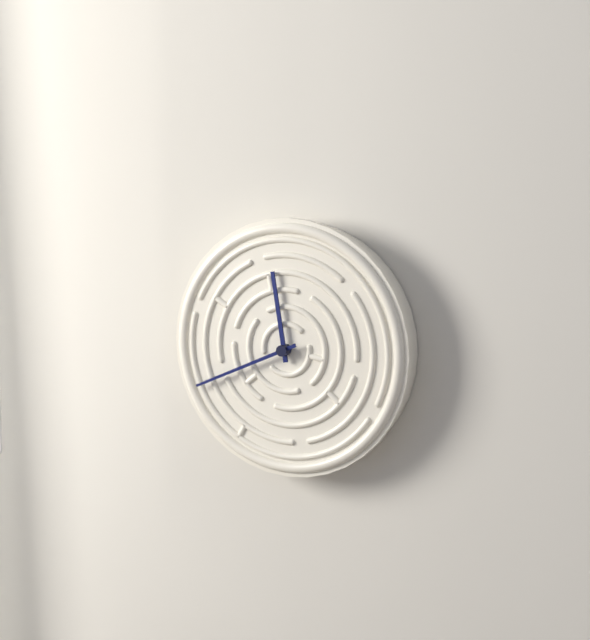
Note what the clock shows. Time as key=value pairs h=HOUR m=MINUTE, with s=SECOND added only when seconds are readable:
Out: h=11 m=41
